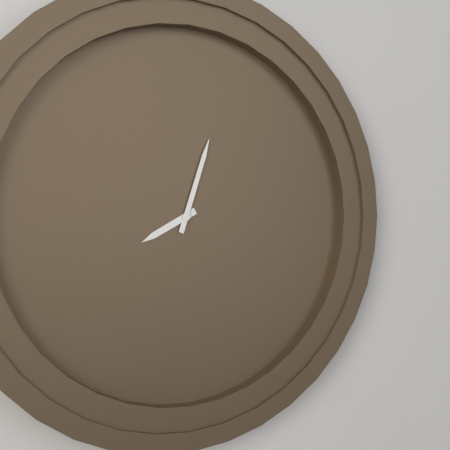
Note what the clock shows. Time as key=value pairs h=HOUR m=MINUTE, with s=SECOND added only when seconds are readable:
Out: h=8 m=3
